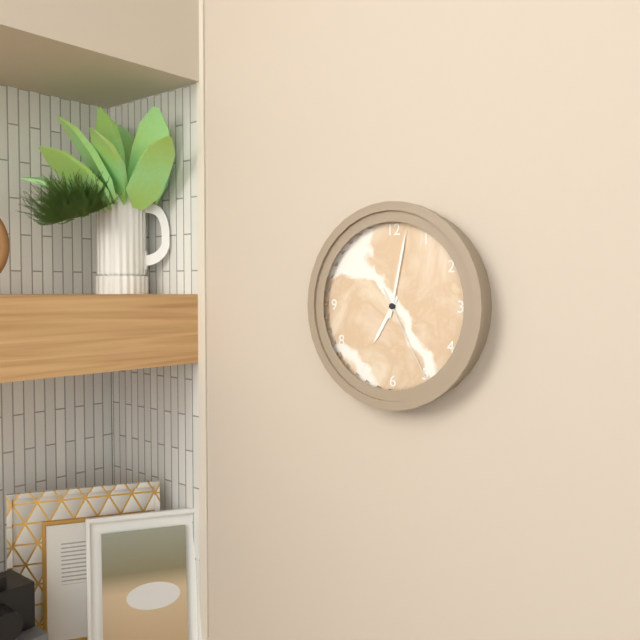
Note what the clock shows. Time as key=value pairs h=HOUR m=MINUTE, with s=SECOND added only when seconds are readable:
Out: h=7 m=2 s=25
